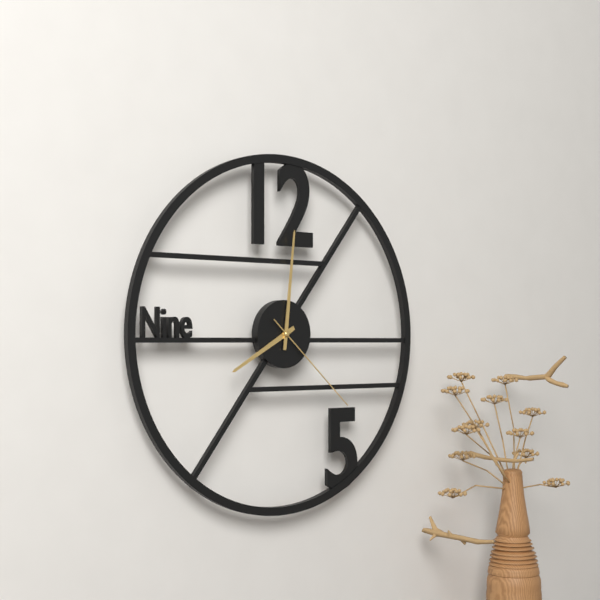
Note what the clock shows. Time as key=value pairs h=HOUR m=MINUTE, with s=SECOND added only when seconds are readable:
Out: h=8 m=1 s=22
